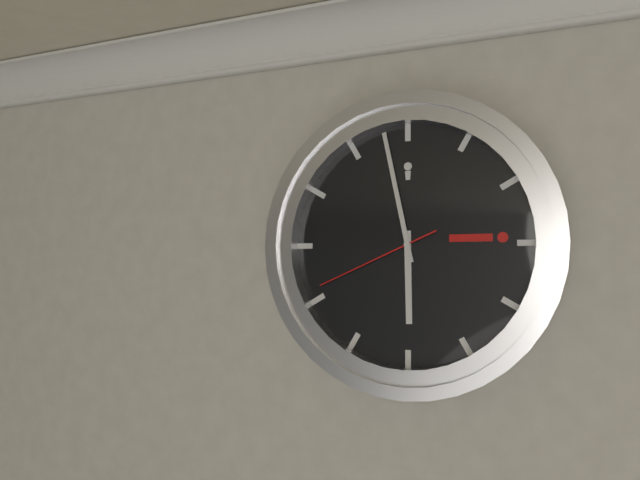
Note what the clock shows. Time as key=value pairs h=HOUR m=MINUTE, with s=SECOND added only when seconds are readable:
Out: h=5 m=58 s=41
